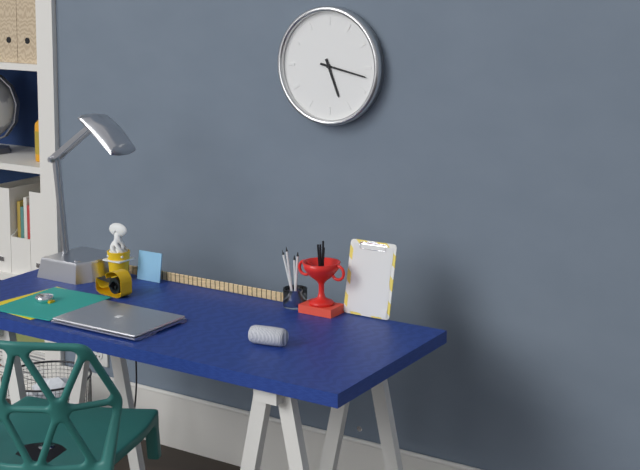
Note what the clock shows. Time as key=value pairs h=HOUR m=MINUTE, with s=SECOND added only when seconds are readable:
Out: h=5 m=17
